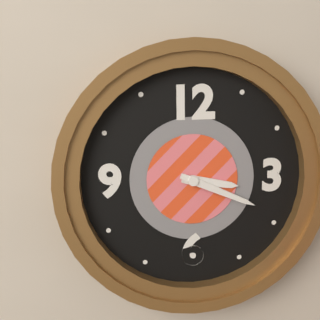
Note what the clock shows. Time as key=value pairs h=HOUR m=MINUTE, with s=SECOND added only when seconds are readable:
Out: h=3 m=19
